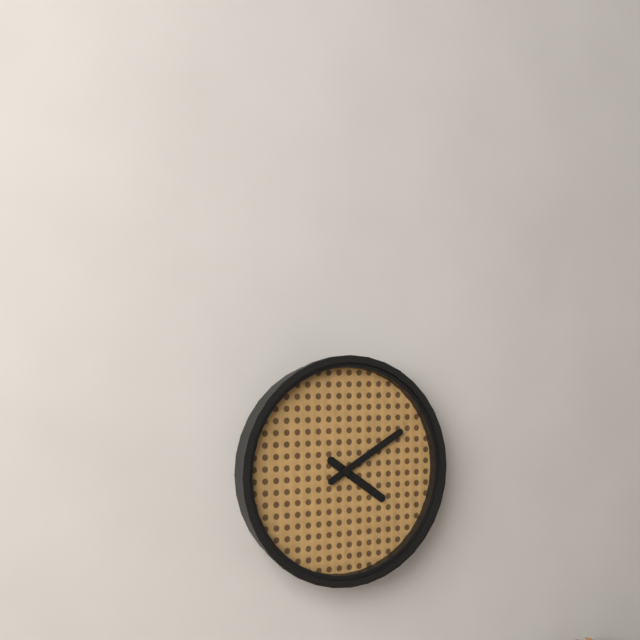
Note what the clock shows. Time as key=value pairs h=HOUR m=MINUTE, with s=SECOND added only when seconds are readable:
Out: h=4 m=10
